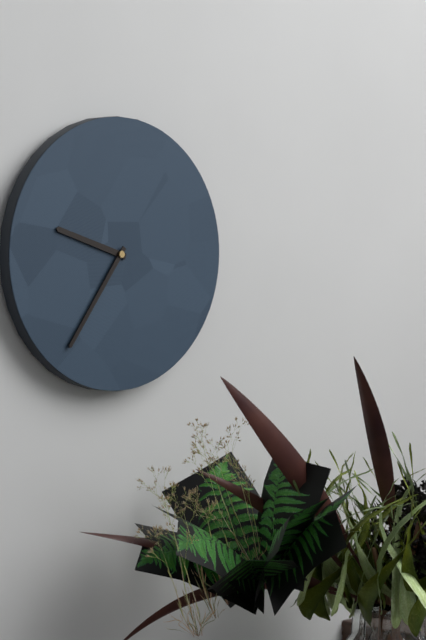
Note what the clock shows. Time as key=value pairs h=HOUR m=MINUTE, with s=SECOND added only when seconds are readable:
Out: h=9 m=36
